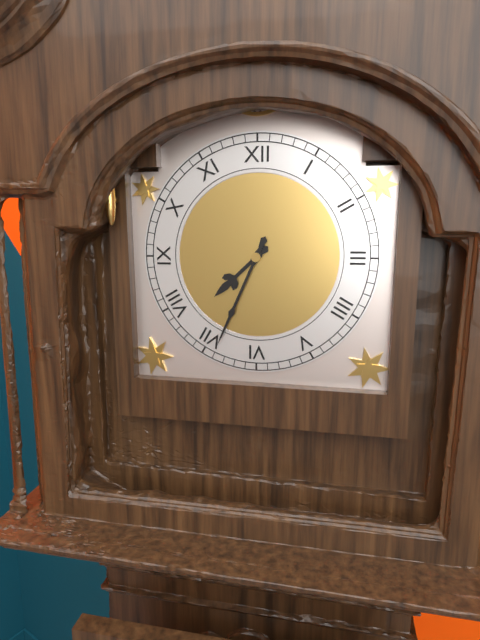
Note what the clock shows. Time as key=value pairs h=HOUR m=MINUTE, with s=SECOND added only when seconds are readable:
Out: h=7 m=34
